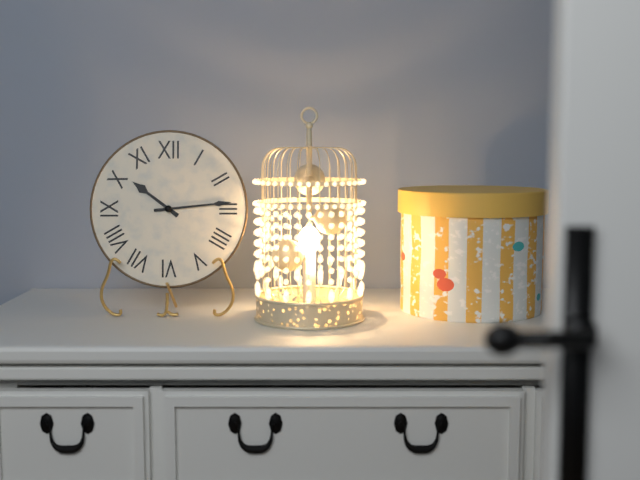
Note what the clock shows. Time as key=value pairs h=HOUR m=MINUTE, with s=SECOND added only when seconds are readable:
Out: h=10 m=14
